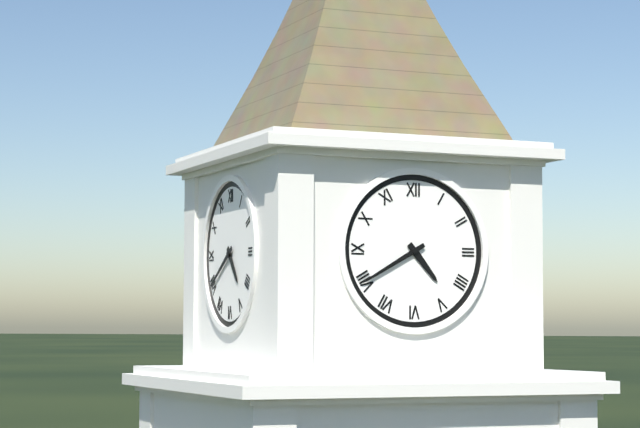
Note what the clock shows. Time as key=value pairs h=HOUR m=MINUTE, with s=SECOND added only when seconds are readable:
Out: h=4 m=40
